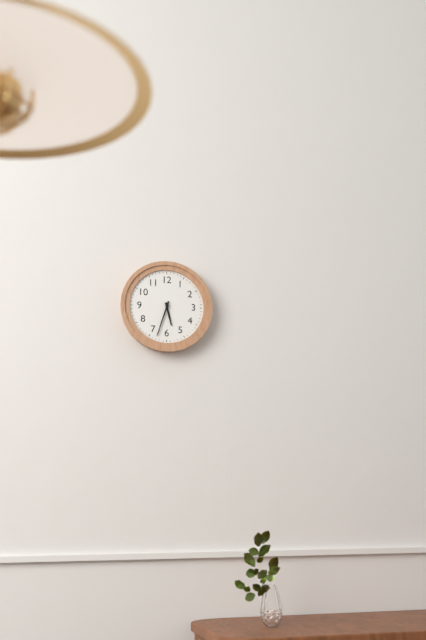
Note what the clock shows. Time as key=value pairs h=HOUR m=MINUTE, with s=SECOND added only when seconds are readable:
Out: h=5 m=33
